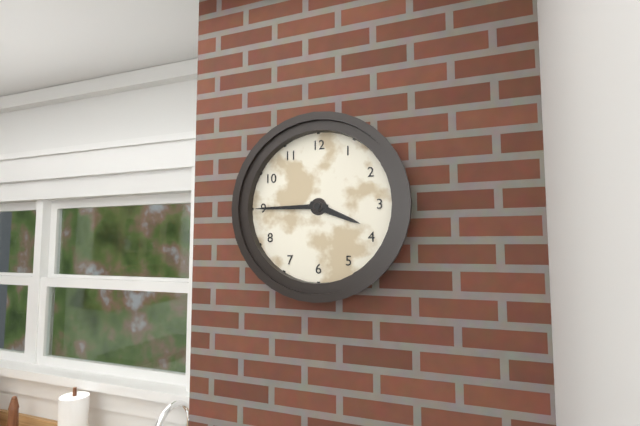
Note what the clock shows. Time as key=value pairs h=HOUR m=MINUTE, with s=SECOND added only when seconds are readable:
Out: h=3 m=45
